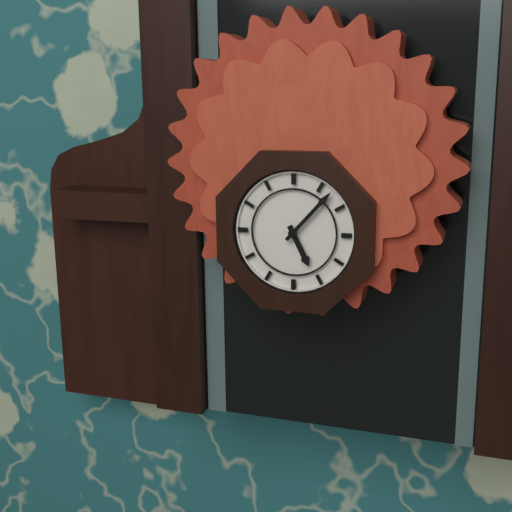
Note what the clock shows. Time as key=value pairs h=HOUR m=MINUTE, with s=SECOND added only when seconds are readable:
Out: h=5 m=7
